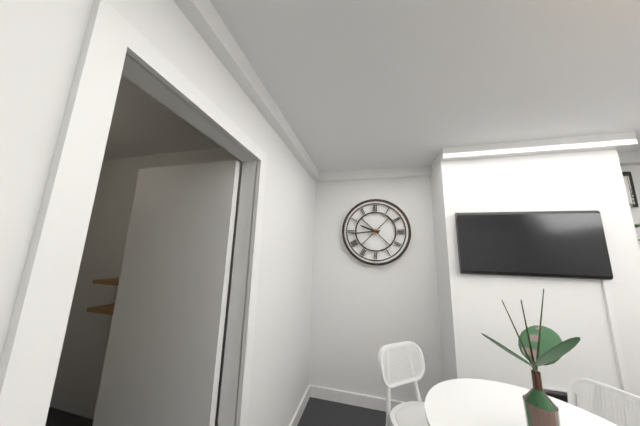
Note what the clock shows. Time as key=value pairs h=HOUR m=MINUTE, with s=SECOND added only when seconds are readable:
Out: h=9 m=44
